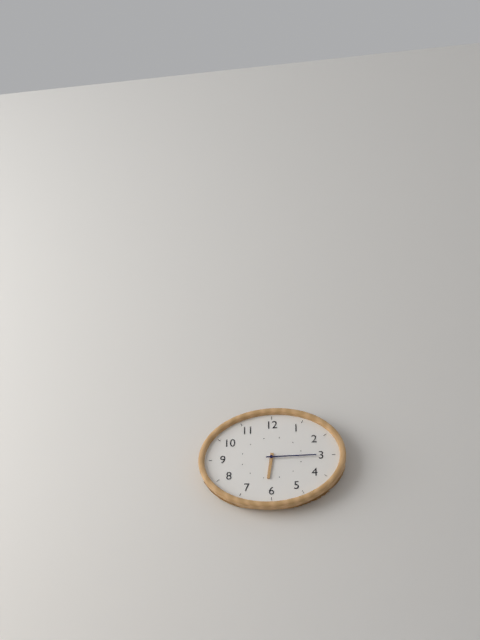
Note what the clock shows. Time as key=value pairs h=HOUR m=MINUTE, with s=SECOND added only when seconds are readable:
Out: h=6 m=15
